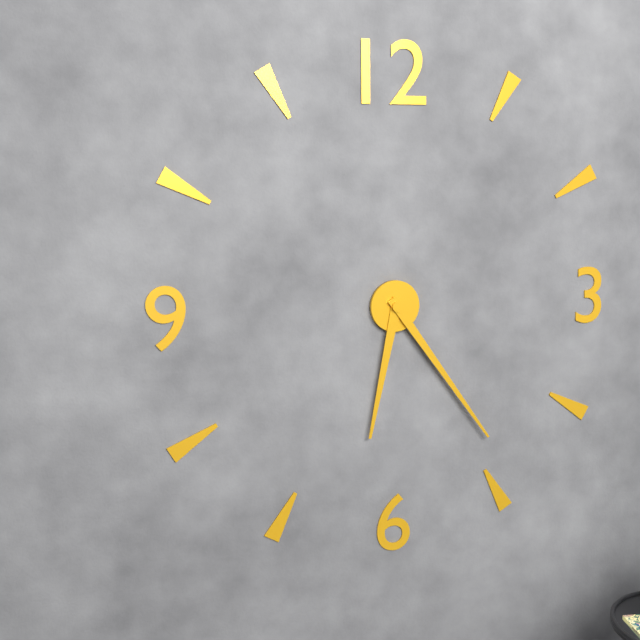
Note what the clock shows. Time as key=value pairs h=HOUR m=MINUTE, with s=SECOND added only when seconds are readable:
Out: h=6 m=24
